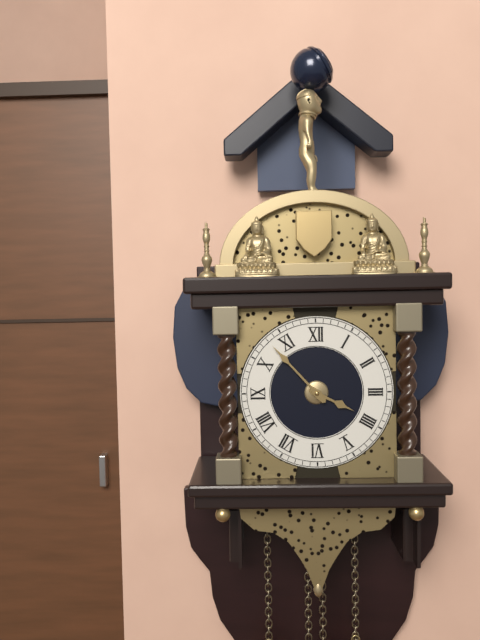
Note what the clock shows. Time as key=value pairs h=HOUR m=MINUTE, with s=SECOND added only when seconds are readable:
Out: h=3 m=53
